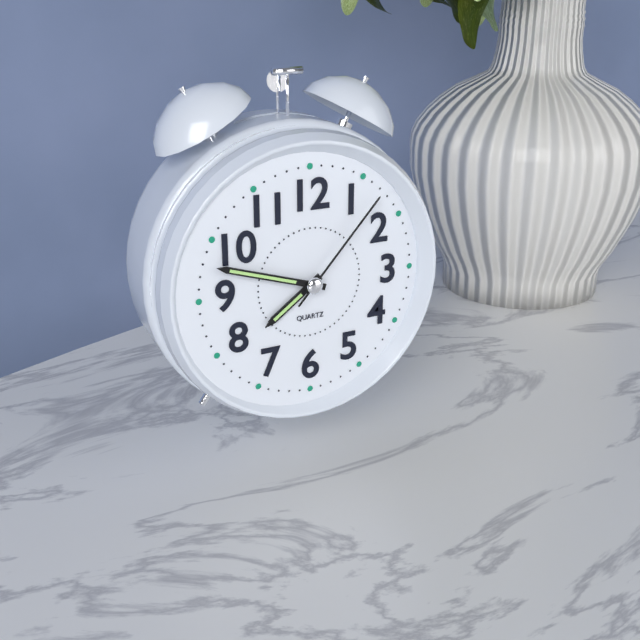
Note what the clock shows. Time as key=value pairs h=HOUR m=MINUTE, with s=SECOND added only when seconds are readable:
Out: h=7 m=48 s=7
